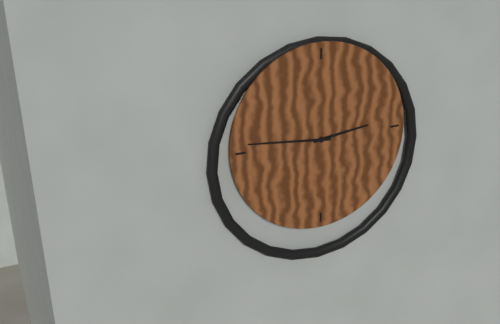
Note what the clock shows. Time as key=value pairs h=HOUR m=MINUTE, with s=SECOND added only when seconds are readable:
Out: h=2 m=46
